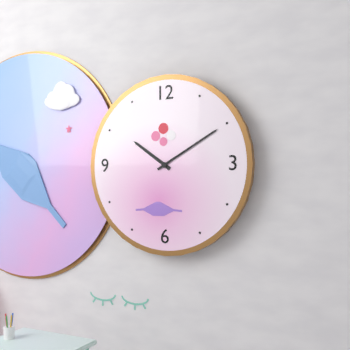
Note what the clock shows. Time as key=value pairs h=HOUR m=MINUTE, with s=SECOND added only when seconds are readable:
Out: h=10 m=10
